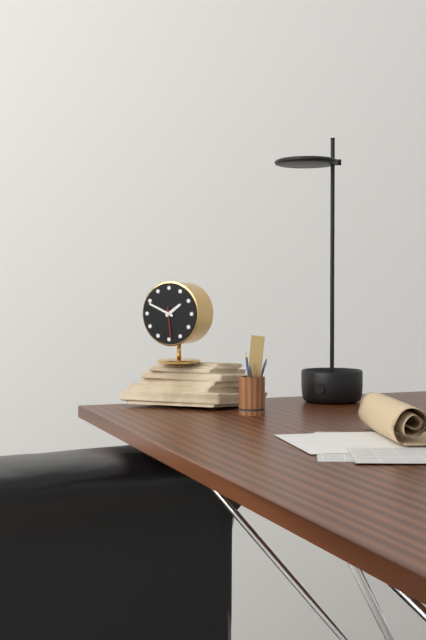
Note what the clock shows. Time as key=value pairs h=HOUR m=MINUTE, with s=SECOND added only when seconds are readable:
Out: h=1 m=49
